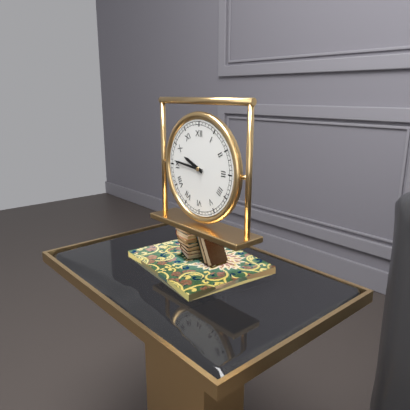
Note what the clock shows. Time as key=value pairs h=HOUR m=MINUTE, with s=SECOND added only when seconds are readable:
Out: h=9 m=46
